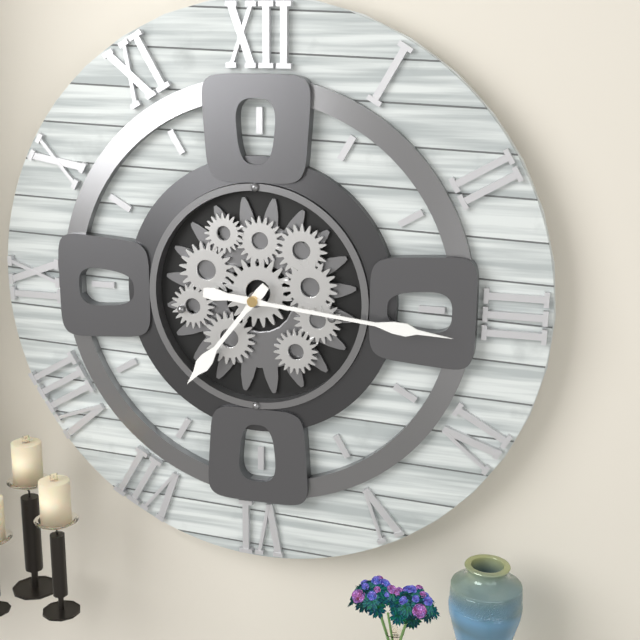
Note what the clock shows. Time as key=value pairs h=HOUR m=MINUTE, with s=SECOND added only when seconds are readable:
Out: h=7 m=16
